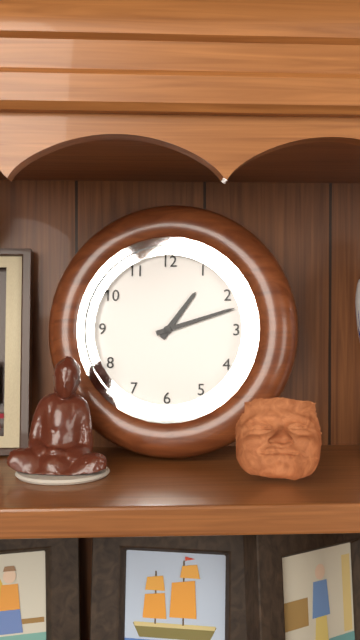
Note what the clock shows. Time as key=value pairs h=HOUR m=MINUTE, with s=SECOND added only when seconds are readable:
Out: h=1 m=12
